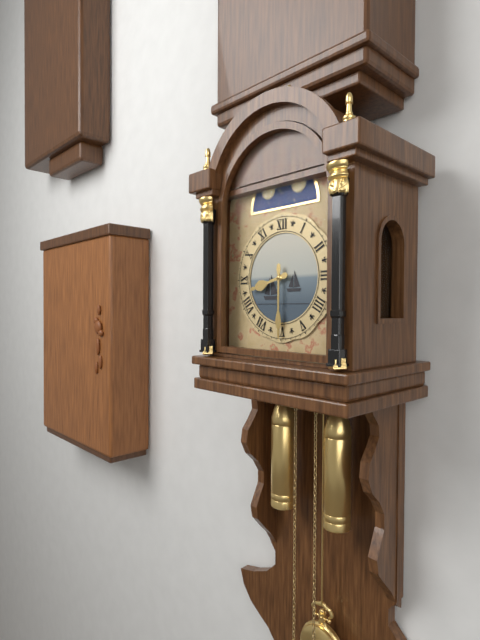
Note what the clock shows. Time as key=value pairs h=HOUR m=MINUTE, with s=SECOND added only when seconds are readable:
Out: h=8 m=30
